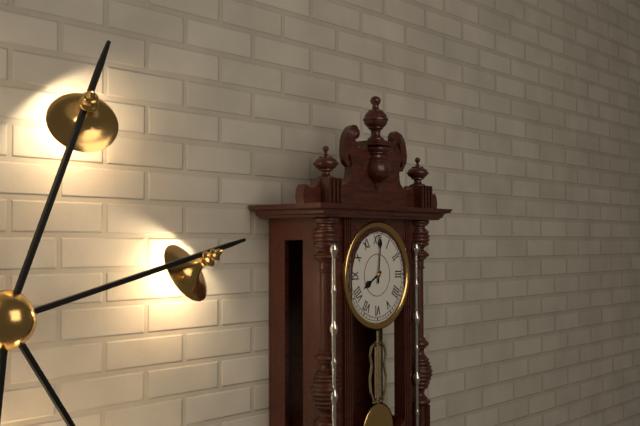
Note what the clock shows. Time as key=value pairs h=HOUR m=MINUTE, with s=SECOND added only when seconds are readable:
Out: h=8 m=1
